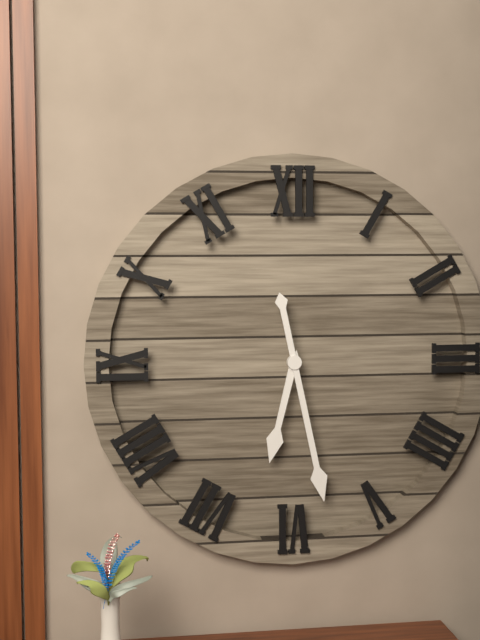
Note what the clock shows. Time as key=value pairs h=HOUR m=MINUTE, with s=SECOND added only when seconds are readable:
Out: h=6 m=28
